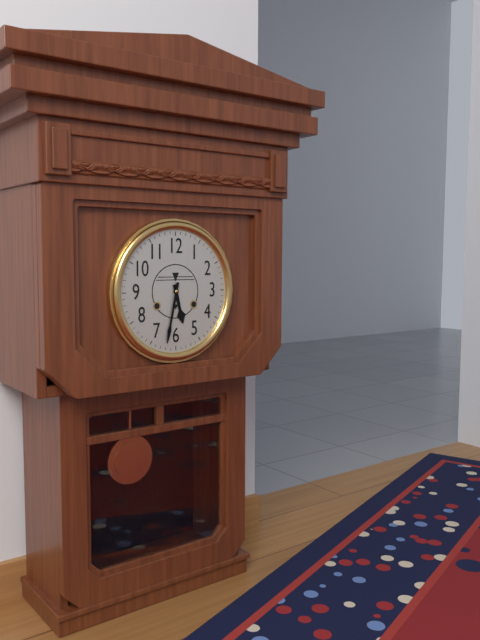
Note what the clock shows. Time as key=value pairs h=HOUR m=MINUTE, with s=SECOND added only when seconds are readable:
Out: h=5 m=32
